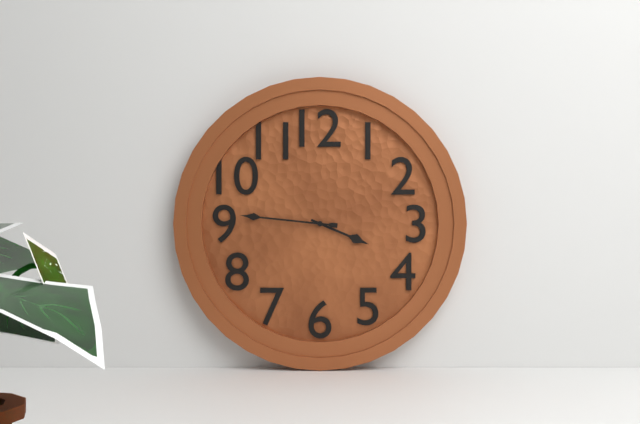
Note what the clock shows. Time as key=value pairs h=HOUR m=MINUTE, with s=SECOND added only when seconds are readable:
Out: h=3 m=46
